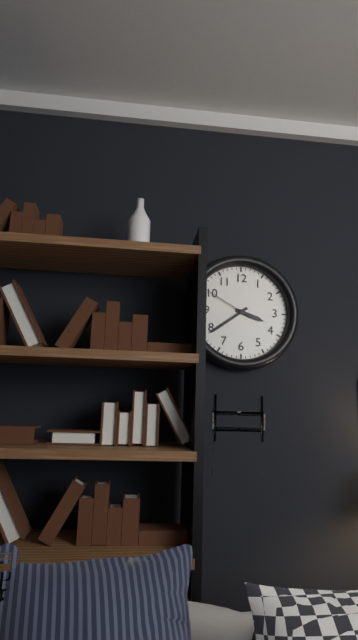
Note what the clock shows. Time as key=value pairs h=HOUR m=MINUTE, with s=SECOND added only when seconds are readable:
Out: h=3 m=39 s=50
